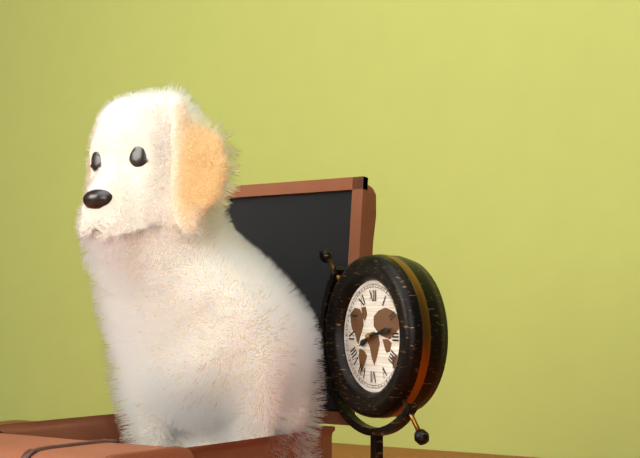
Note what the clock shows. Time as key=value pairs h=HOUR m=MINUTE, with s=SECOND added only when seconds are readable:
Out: h=8 m=13
